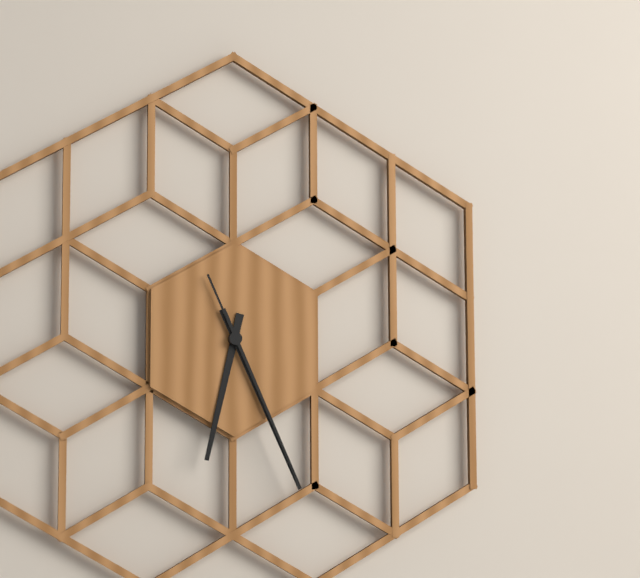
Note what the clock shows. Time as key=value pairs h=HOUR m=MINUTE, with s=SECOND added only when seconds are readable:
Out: h=6 m=26 s=26
